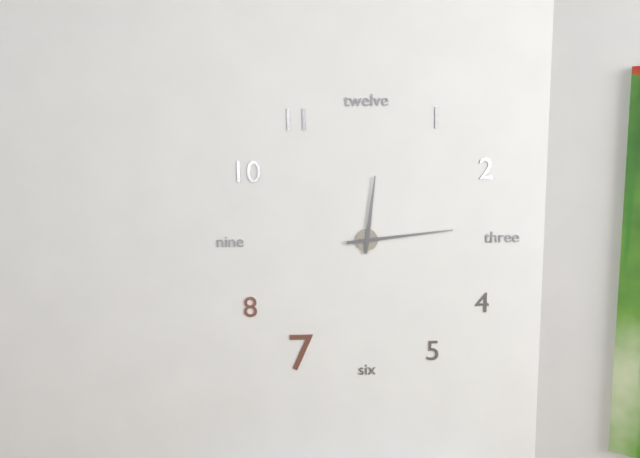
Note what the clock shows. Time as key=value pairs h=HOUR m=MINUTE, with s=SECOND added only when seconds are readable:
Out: h=12 m=14
